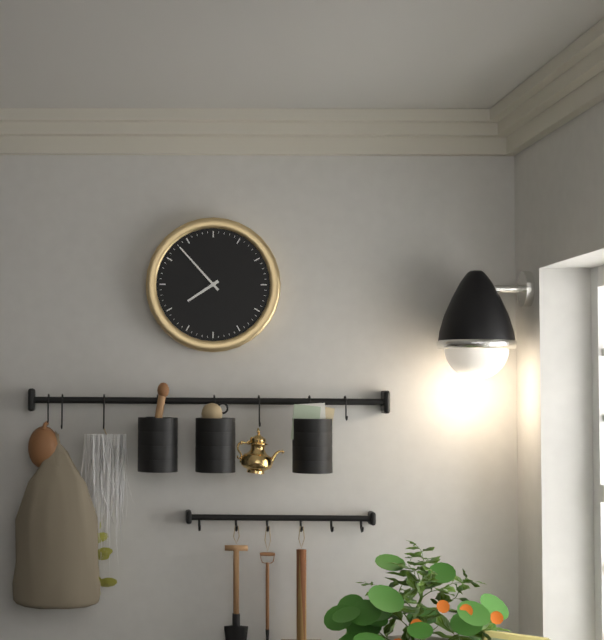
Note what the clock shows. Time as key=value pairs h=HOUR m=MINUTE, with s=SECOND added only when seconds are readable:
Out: h=7 m=53
